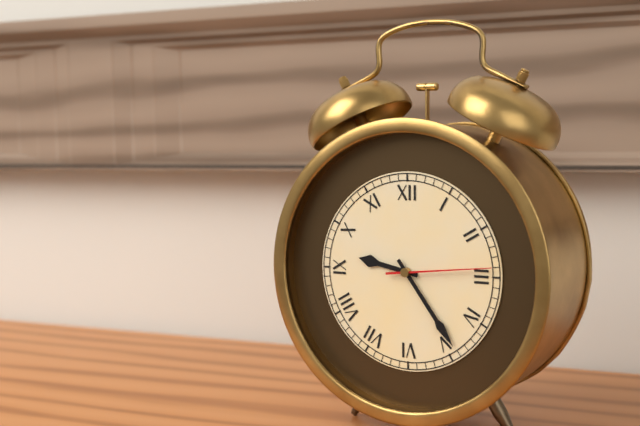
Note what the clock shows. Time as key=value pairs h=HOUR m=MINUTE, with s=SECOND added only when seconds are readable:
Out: h=9 m=24 s=14
